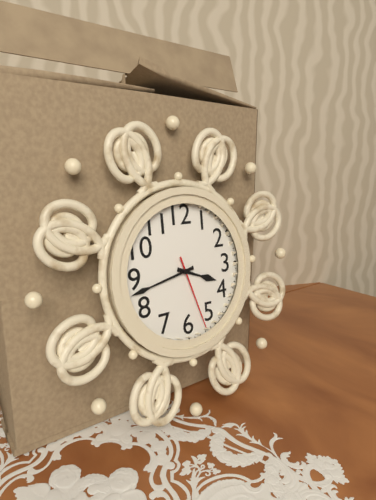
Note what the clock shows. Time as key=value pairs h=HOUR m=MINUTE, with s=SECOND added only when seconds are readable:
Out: h=3 m=43 s=27
